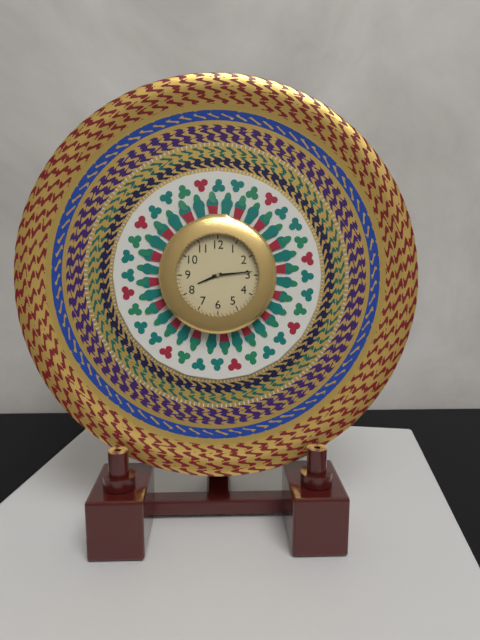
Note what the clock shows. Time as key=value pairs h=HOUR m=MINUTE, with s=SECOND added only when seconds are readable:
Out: h=8 m=14
